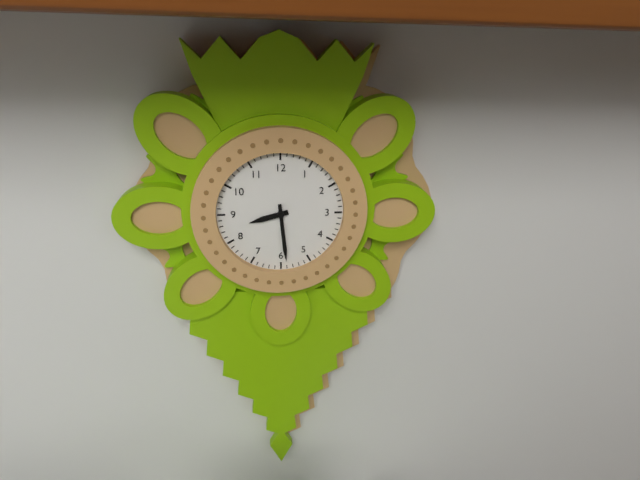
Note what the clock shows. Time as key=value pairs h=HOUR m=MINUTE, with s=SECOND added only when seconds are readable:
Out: h=8 m=29
